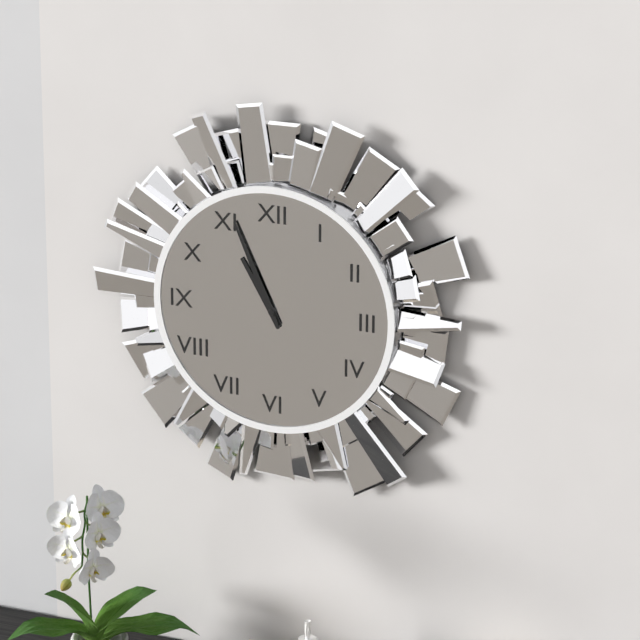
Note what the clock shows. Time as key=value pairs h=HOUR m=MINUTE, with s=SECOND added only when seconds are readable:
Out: h=10 m=56
